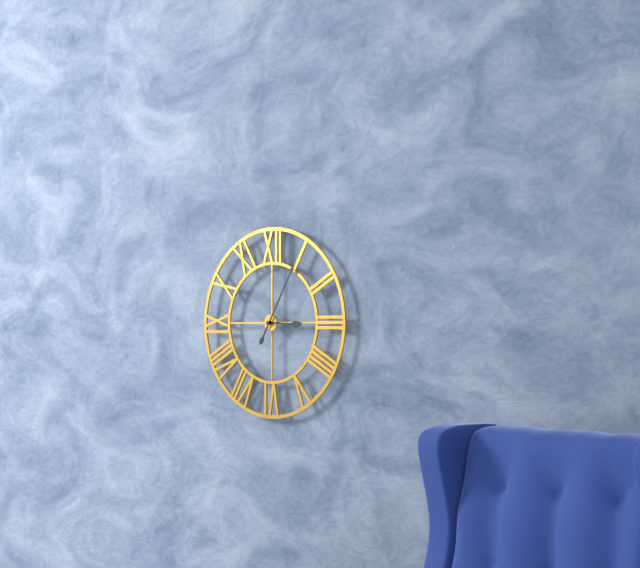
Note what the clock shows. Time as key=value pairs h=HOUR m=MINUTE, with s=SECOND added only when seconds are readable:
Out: h=3 m=5
